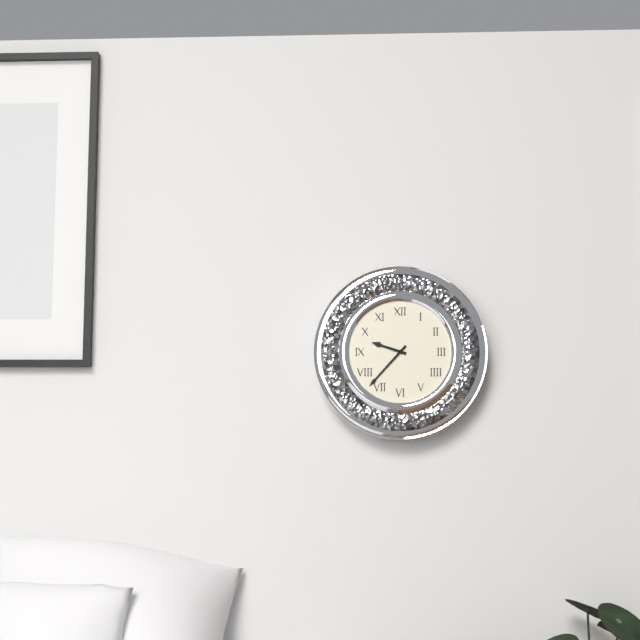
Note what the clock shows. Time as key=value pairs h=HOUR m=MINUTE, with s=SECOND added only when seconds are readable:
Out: h=9 m=37
